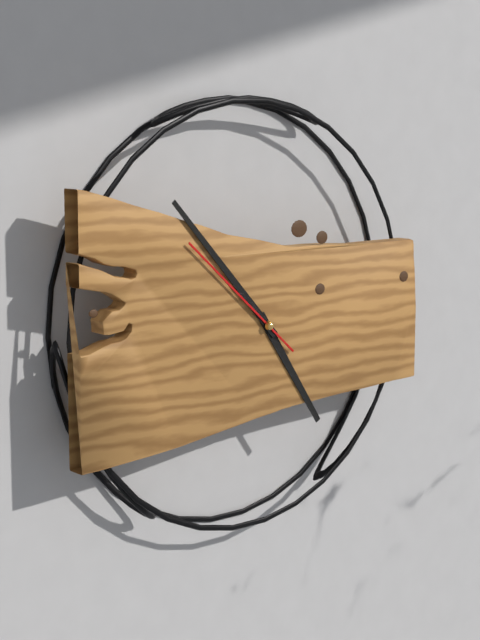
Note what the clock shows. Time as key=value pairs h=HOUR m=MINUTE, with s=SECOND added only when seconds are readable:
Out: h=4 m=53 s=52
